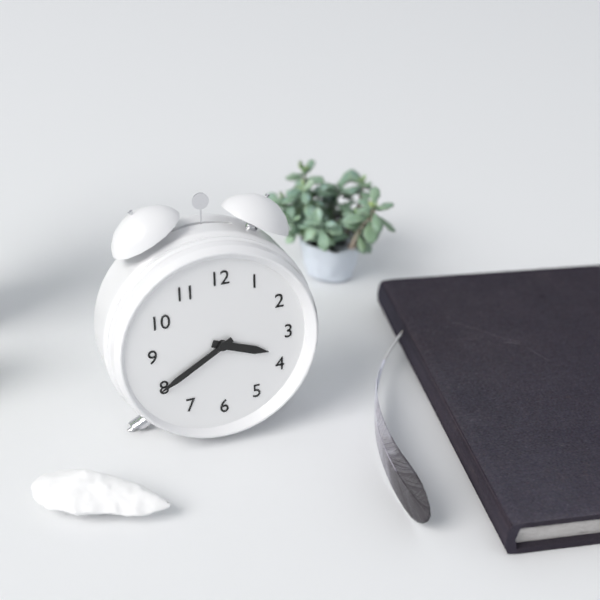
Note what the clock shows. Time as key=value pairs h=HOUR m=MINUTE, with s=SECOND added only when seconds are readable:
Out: h=3 m=40
